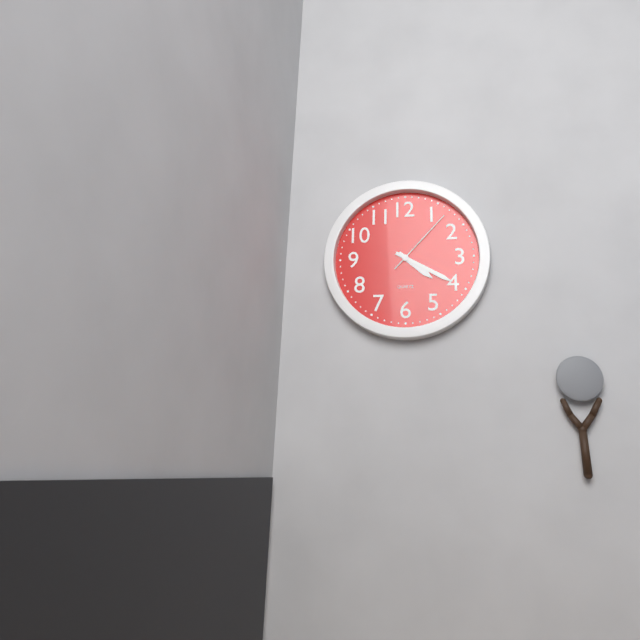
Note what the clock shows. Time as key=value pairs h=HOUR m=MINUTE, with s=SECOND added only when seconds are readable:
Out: h=4 m=20 s=7
